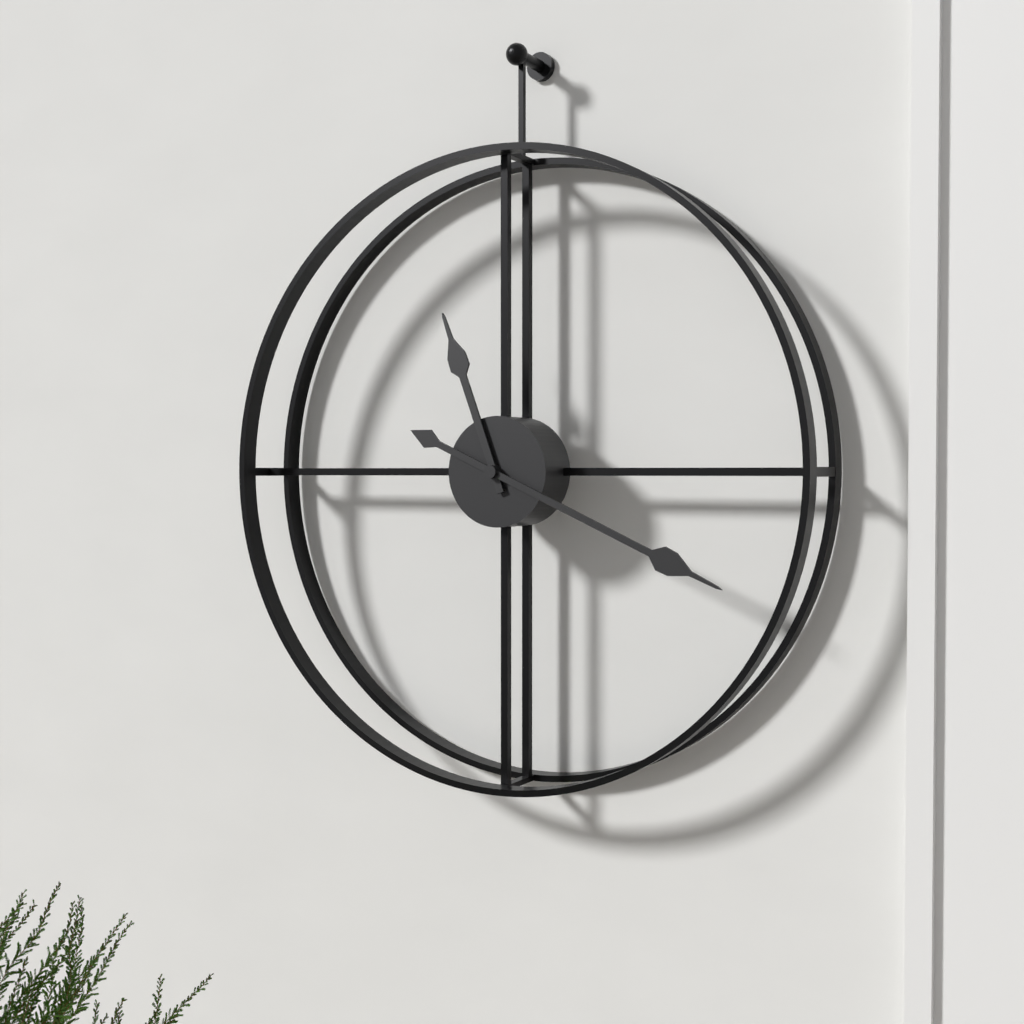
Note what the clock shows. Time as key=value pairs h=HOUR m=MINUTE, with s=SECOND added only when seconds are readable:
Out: h=11 m=19
